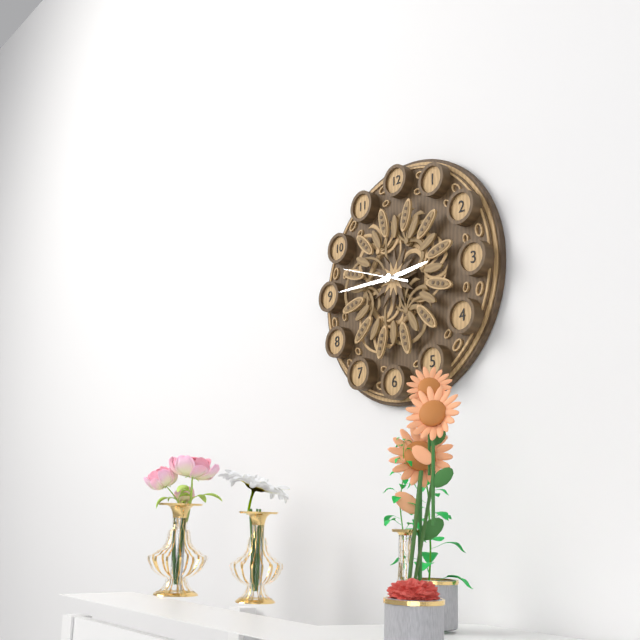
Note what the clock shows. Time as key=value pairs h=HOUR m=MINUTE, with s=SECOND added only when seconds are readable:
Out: h=2 m=45 s=48
